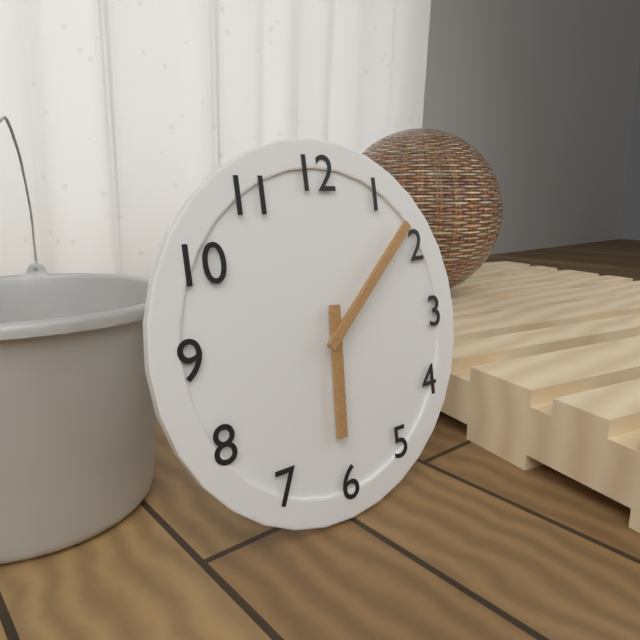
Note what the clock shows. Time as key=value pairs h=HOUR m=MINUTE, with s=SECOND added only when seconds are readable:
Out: h=6 m=8
